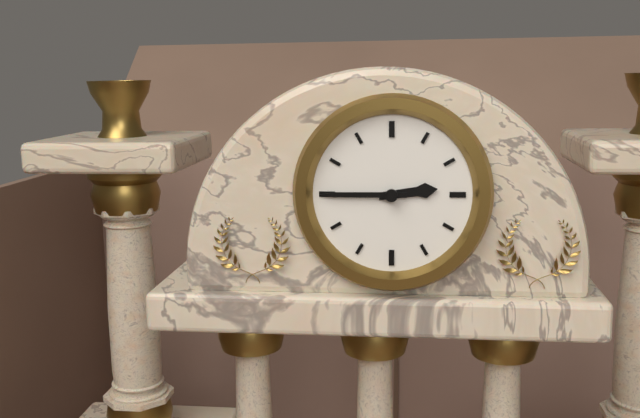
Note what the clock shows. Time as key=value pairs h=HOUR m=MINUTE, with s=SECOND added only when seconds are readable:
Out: h=2 m=45
